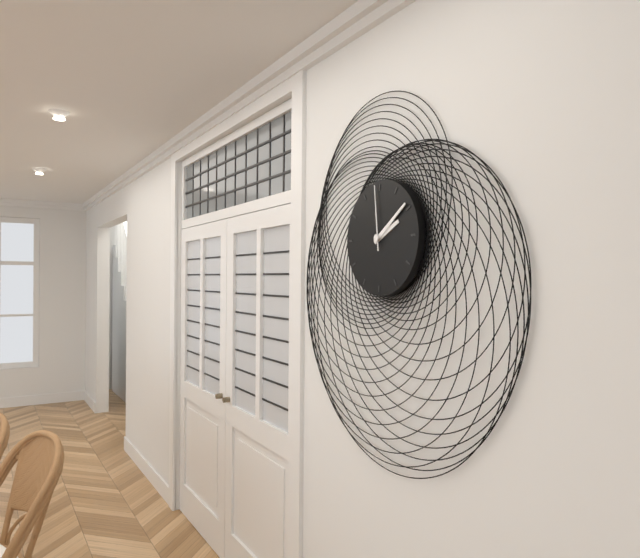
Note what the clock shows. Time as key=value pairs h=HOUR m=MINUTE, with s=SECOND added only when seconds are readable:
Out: h=2 m=9 s=59
